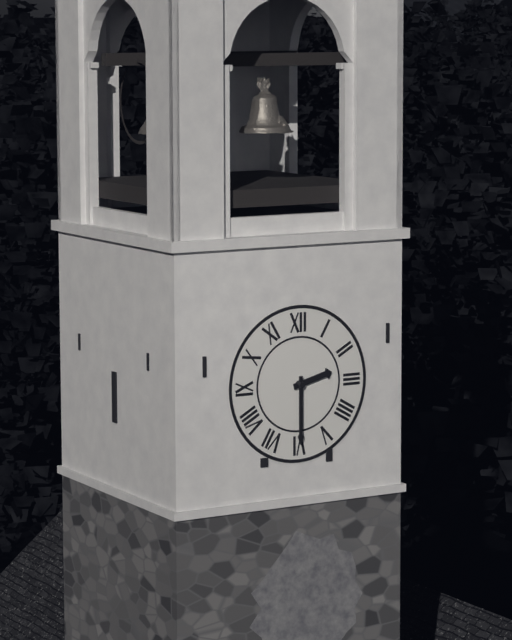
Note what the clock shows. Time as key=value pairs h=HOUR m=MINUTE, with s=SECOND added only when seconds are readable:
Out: h=2 m=30
